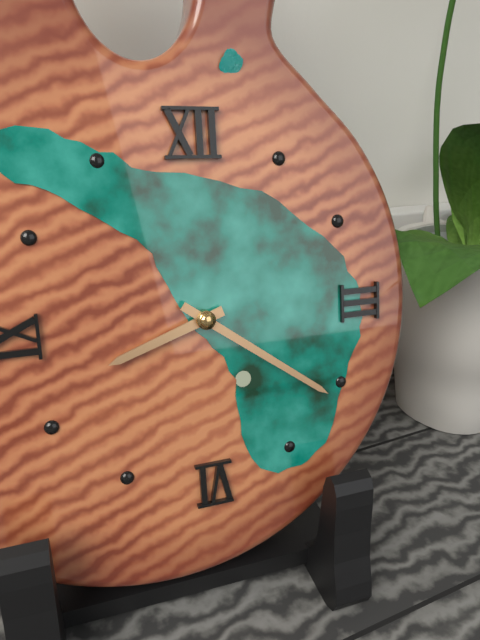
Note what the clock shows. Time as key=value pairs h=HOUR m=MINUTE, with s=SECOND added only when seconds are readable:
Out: h=8 m=21
